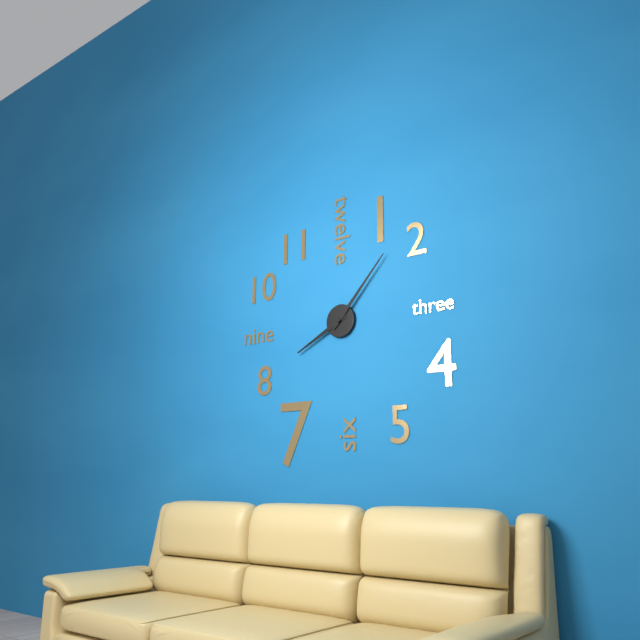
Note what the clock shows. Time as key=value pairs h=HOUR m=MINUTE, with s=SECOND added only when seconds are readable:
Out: h=8 m=7
